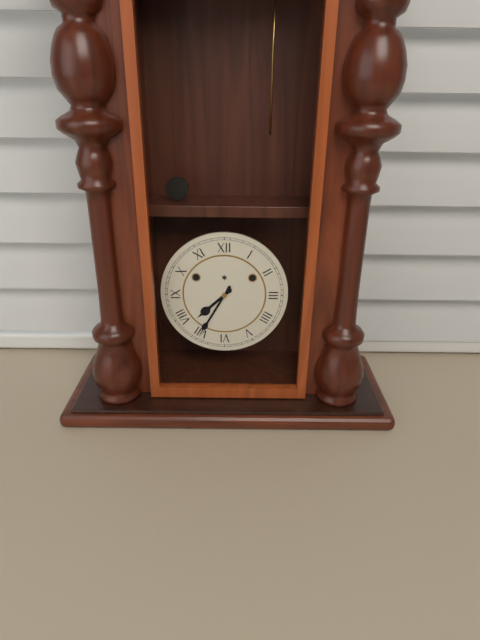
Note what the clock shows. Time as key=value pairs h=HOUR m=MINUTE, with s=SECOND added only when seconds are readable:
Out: h=7 m=35
